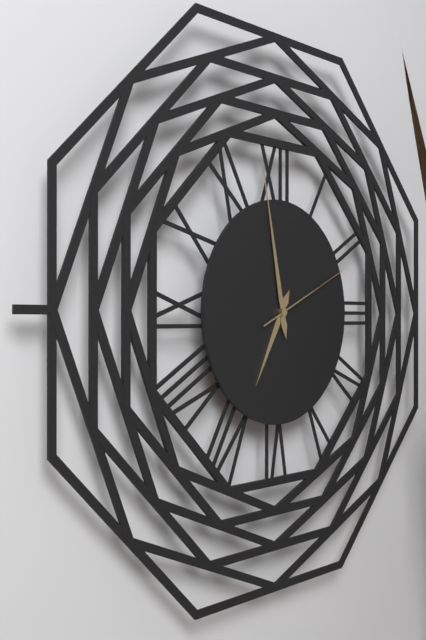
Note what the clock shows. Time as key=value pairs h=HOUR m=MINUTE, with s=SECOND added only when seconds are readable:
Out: h=6 m=58 s=11
